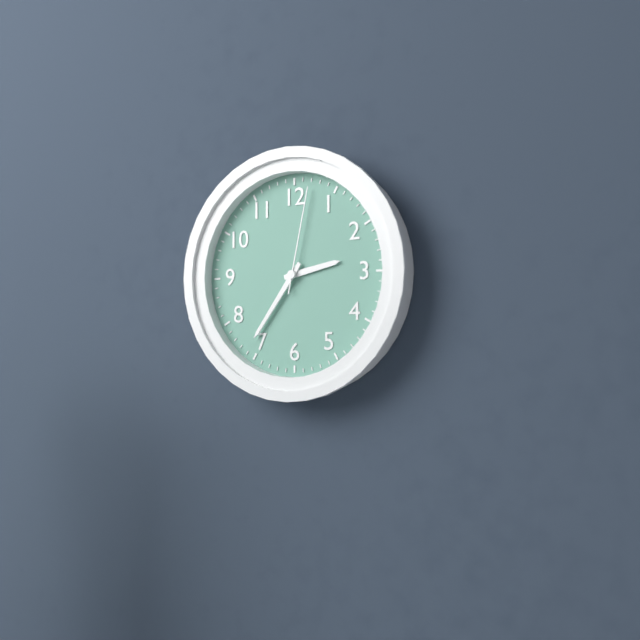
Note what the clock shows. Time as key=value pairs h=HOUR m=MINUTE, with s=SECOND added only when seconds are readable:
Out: h=2 m=36 s=2
